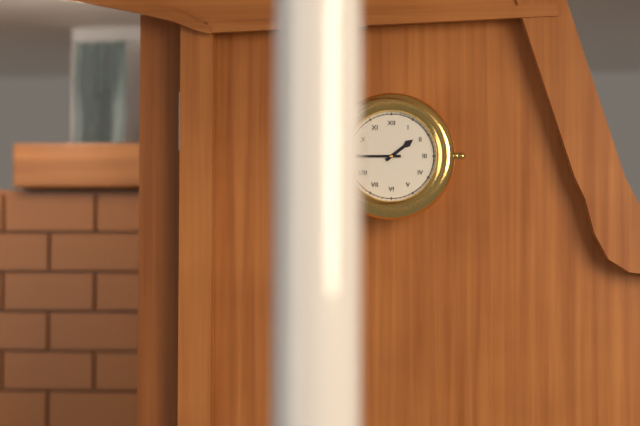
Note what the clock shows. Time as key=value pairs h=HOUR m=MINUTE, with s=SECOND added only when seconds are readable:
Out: h=1 m=45
